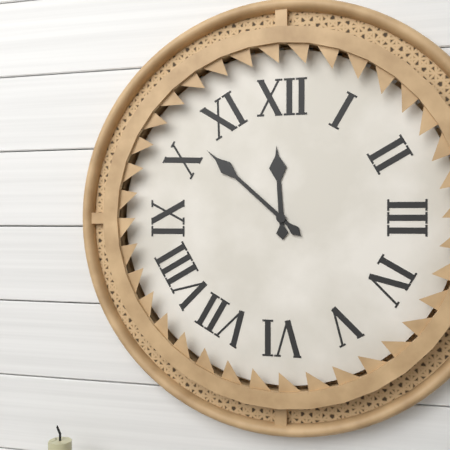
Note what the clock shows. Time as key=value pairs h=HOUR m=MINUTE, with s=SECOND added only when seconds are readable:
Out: h=11 m=52
